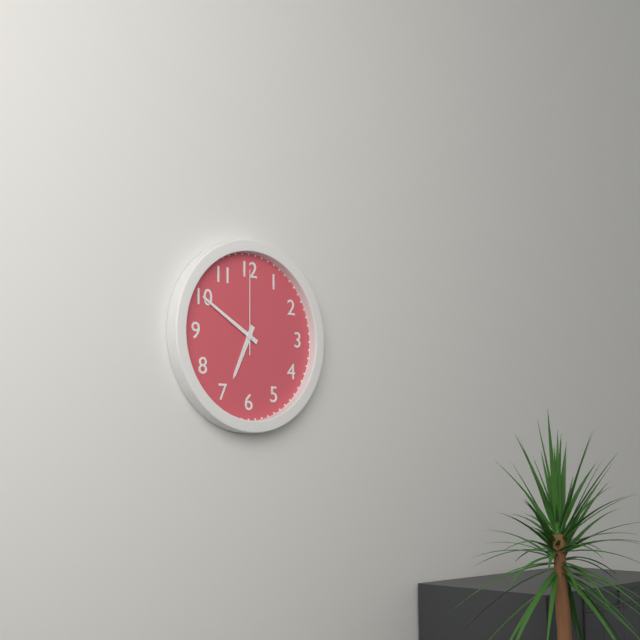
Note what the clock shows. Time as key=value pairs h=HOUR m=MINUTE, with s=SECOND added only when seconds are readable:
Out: h=6 m=50 s=0
